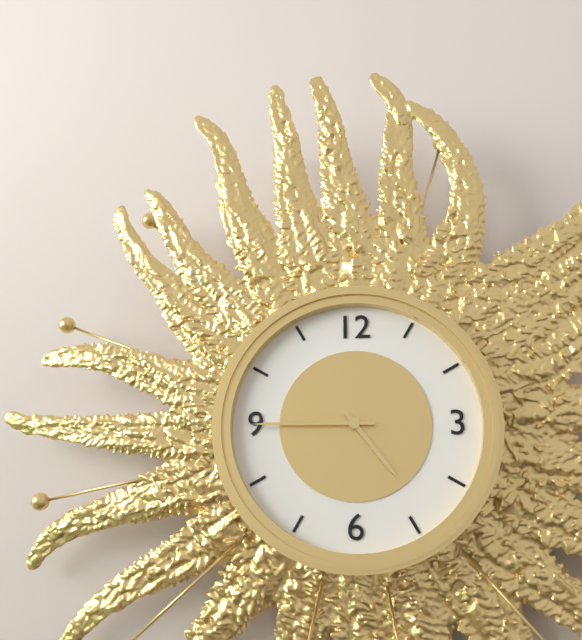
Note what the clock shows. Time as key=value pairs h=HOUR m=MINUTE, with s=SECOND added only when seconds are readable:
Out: h=4 m=45
